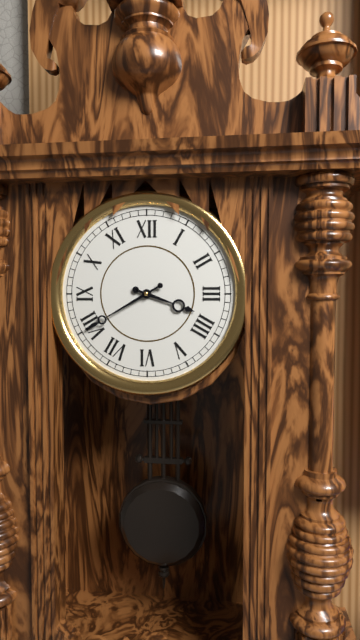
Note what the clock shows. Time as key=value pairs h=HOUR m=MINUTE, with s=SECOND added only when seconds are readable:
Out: h=3 m=40
